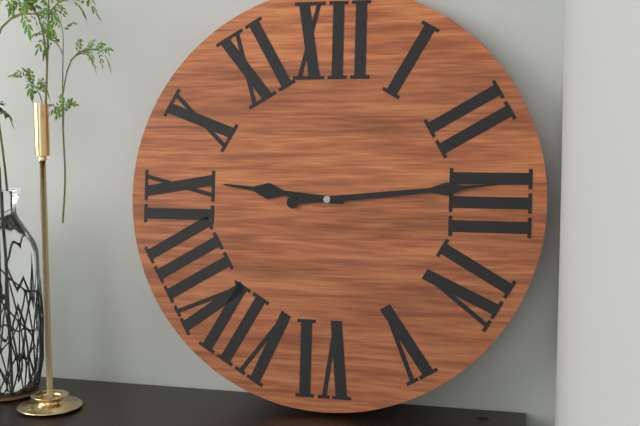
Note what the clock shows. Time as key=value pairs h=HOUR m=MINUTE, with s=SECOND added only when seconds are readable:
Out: h=9 m=14
